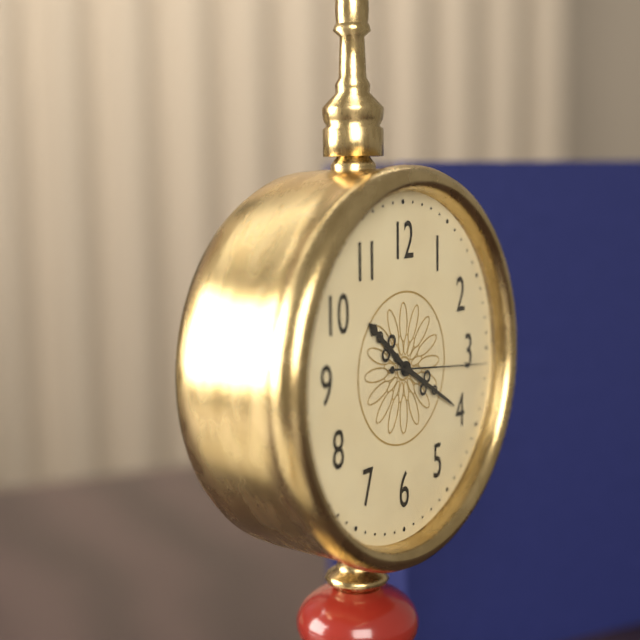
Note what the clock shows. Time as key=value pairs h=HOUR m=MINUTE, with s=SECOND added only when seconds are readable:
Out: h=10 m=20 s=16
